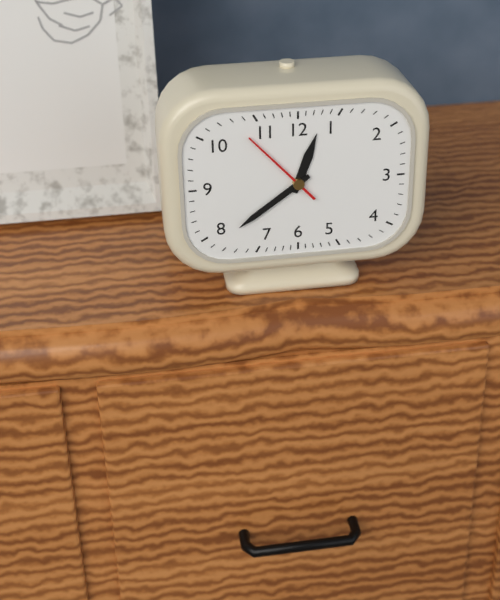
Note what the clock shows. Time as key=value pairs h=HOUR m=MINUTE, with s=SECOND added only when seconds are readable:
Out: h=12 m=39 s=53
